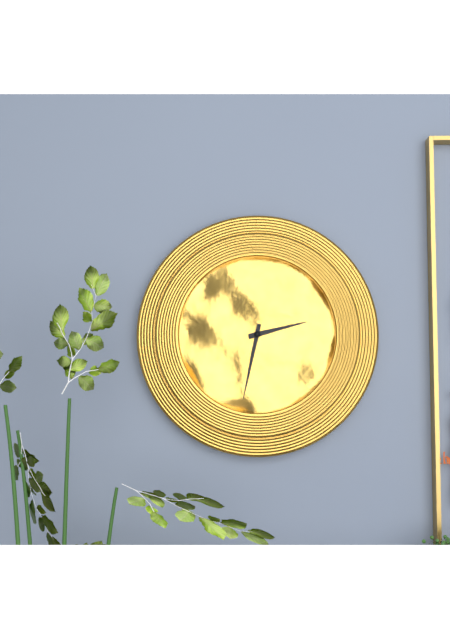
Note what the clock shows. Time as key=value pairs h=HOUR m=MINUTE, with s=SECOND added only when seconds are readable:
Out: h=2 m=32
